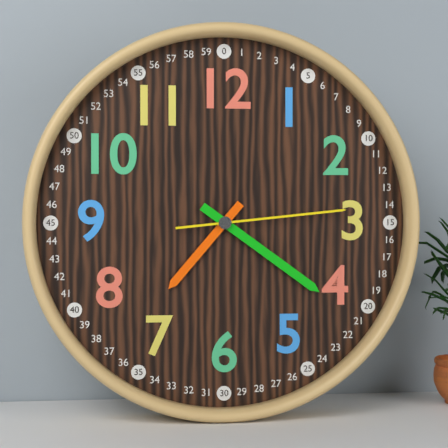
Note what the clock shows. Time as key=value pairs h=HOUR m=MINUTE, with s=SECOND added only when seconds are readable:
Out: h=7 m=21 s=14
